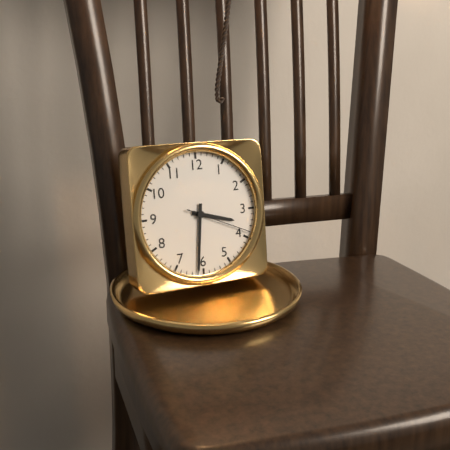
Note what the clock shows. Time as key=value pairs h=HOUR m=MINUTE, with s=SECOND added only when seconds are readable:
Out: h=3 m=31 s=19
